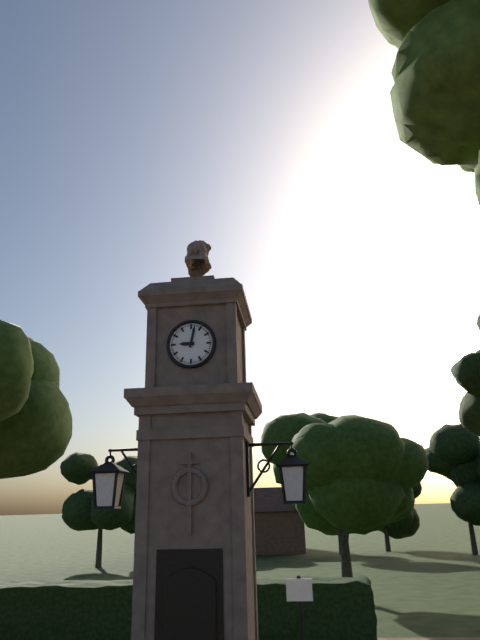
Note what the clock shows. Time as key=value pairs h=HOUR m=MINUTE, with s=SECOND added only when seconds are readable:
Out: h=9 m=2
